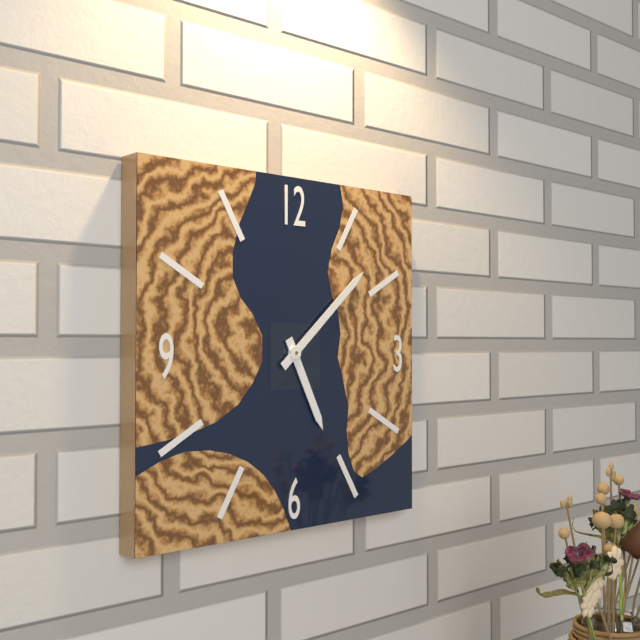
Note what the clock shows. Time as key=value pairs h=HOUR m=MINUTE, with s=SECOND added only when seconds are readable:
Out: h=5 m=8
